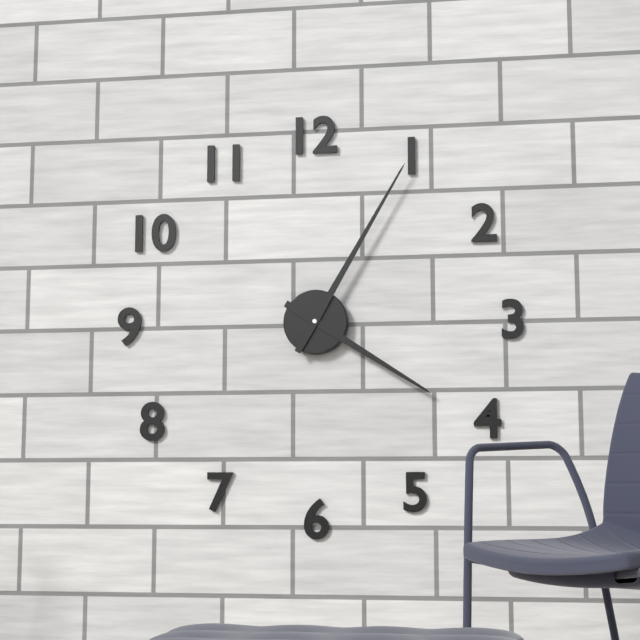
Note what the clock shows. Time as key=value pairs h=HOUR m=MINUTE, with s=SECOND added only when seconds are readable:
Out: h=4 m=5
